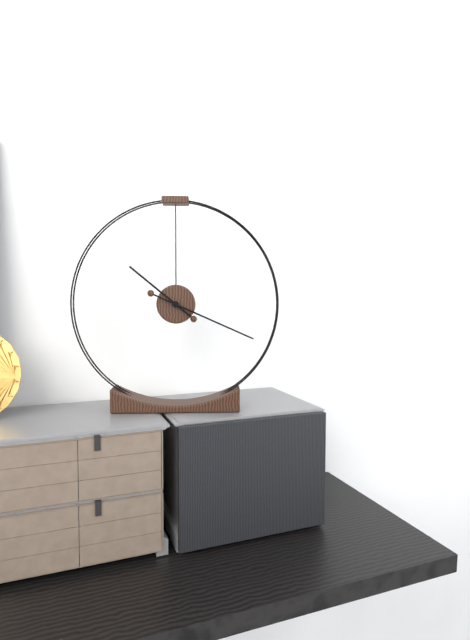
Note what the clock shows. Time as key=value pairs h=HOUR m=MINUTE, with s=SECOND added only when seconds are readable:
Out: h=10 m=19
